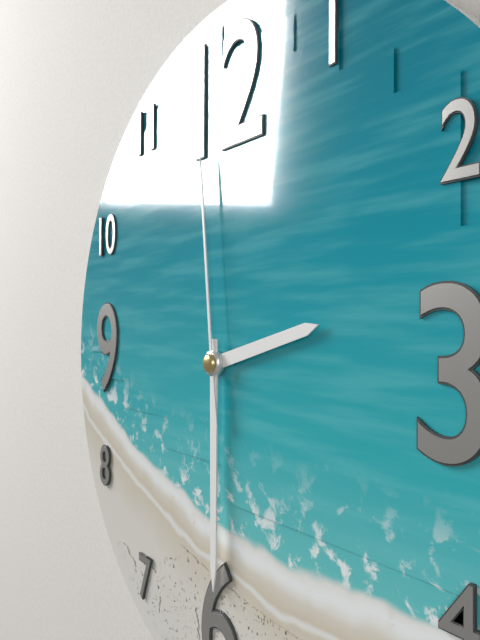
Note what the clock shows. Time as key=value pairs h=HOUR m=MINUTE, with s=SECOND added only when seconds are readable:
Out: h=2 m=30 s=59
